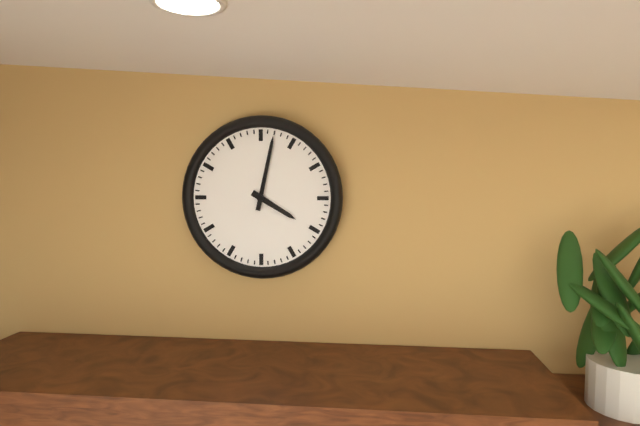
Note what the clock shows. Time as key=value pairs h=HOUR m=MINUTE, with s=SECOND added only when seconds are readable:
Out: h=4 m=2
